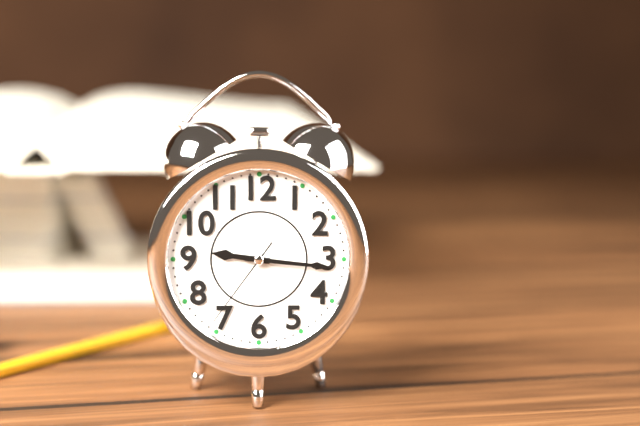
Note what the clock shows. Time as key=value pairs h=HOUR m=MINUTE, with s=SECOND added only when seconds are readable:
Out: h=9 m=16 s=36
